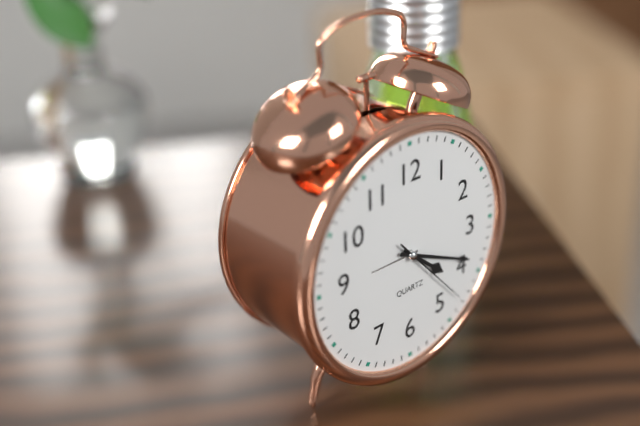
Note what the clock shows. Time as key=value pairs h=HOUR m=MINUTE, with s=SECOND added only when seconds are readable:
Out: h=4 m=19 s=23
